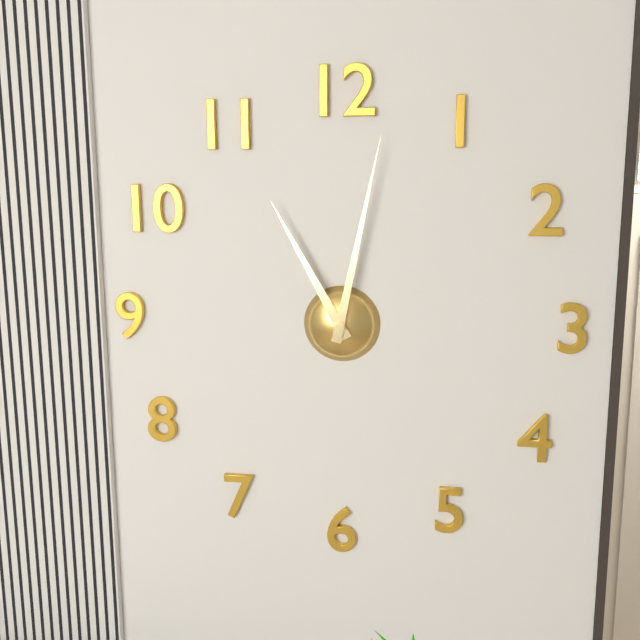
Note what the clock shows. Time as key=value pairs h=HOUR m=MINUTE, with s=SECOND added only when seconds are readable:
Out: h=11 m=2
